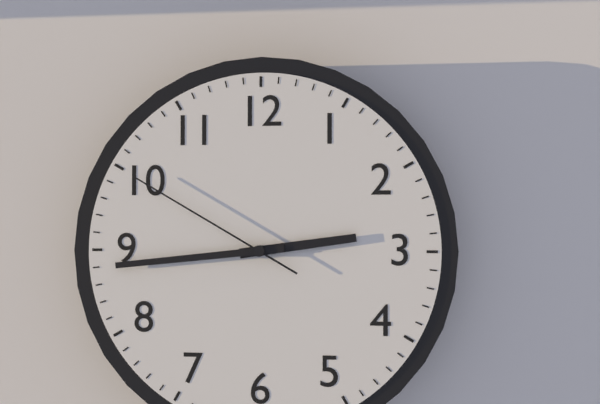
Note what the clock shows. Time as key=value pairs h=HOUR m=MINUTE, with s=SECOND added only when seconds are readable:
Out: h=2 m=44 s=50
